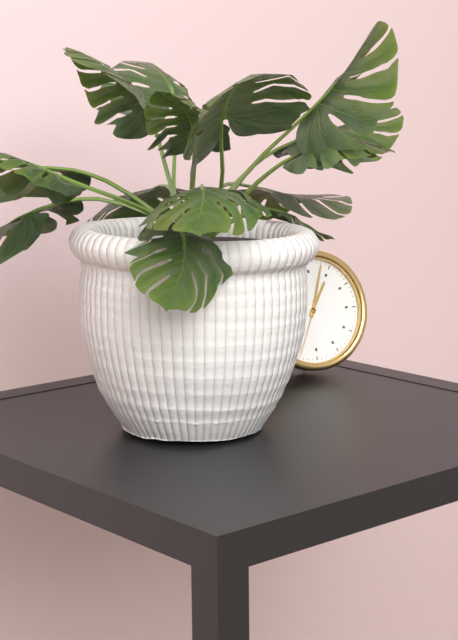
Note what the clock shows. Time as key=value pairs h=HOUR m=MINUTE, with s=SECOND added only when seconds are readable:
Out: h=1 m=3 s=34
